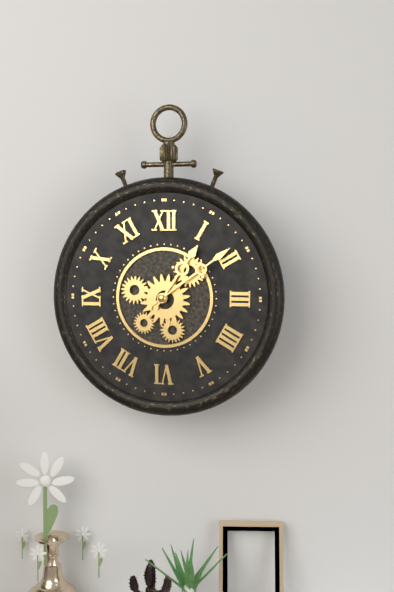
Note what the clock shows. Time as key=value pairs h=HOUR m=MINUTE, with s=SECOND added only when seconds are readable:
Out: h=1 m=9
